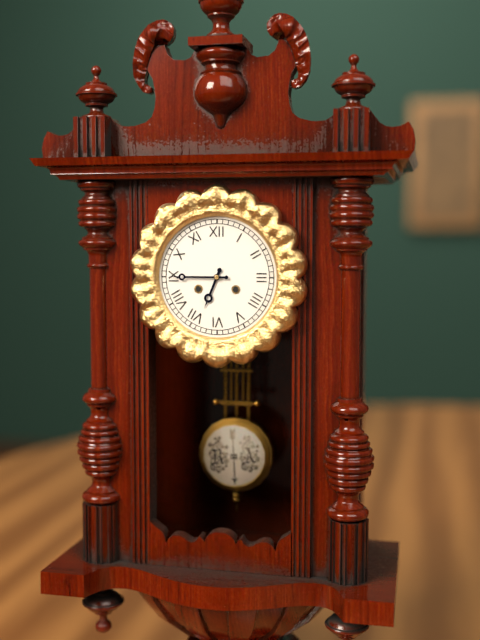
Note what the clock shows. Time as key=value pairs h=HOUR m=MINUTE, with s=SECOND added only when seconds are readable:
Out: h=6 m=45
